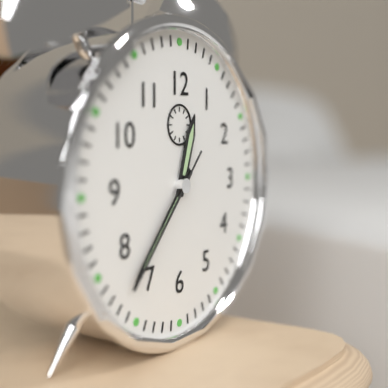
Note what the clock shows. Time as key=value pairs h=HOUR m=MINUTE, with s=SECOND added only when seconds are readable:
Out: h=12 m=37 s=37
